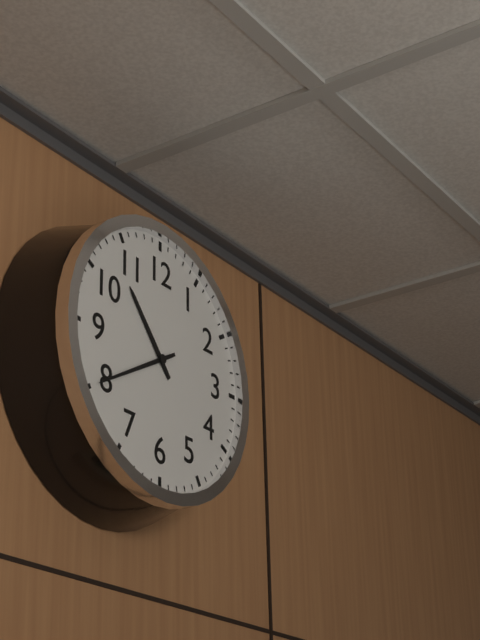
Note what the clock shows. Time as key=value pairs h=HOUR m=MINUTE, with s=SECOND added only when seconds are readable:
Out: h=10 m=40
